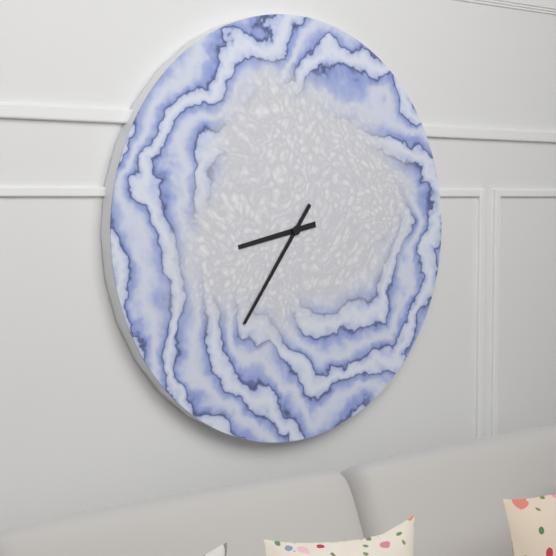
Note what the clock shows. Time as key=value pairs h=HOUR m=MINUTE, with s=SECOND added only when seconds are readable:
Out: h=8 m=36
